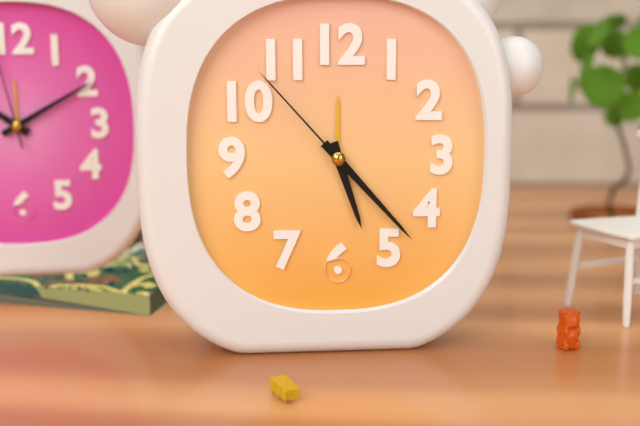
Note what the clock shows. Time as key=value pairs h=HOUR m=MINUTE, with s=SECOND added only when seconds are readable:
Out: h=5 m=23 s=53
